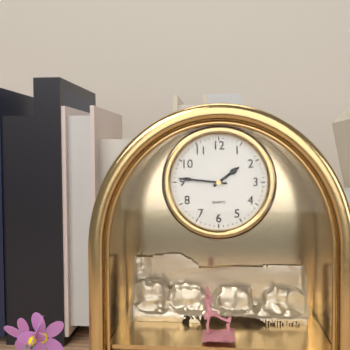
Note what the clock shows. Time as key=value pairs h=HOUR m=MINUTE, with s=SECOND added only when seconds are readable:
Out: h=1 m=46
